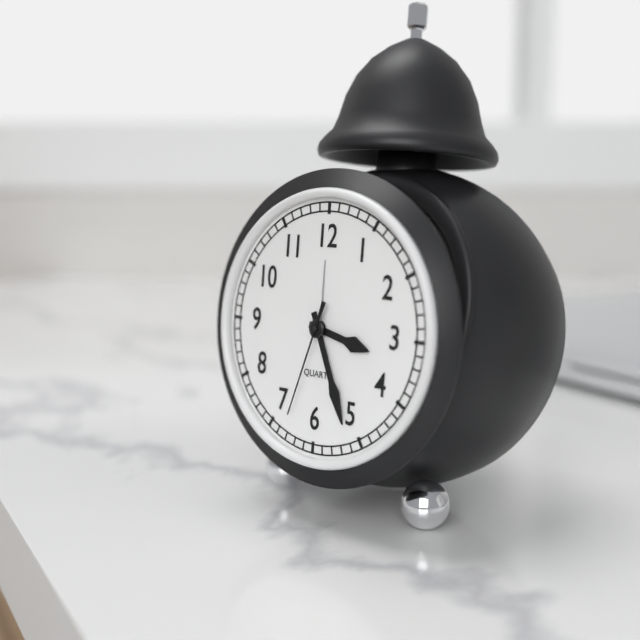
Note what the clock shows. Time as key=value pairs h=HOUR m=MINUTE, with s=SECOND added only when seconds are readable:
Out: h=3 m=26 s=33
